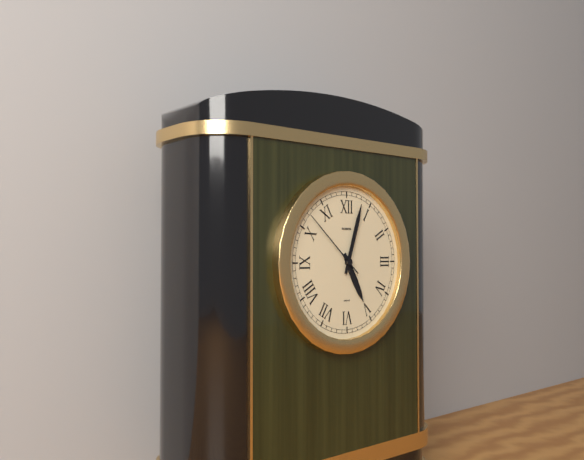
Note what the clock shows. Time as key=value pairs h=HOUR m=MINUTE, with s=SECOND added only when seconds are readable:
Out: h=5 m=3 s=52
